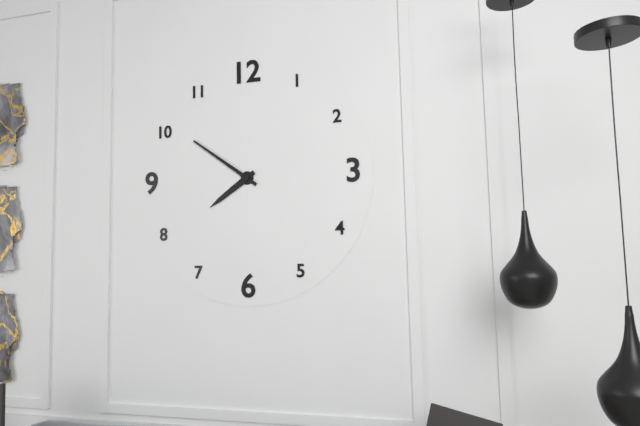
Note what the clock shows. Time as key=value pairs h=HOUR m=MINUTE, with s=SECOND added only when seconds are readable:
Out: h=7 m=51
